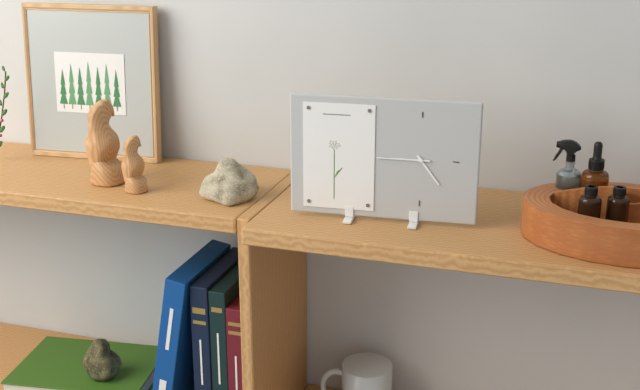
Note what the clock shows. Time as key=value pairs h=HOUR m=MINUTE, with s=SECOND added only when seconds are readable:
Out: h=4 m=45
